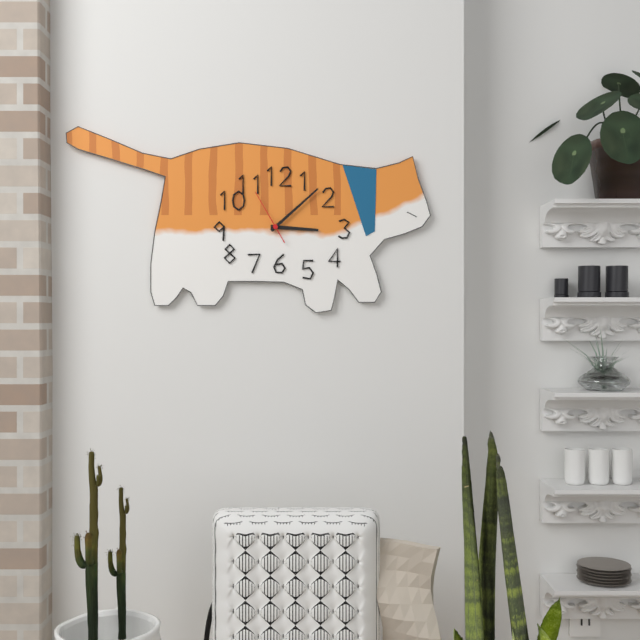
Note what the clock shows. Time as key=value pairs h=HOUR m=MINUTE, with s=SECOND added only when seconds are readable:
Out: h=3 m=8 s=55
